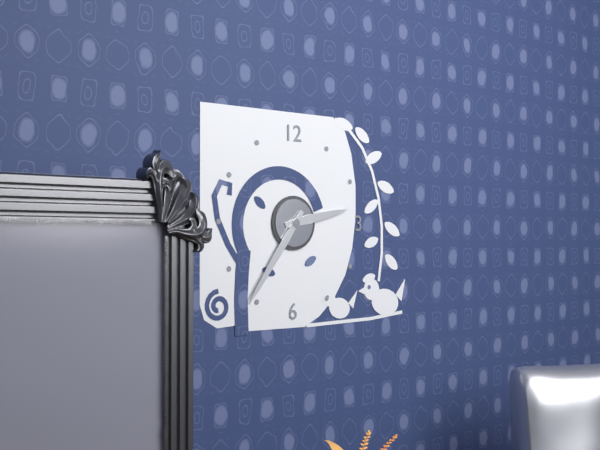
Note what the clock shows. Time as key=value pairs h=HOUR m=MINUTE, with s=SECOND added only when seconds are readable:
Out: h=2 m=36
